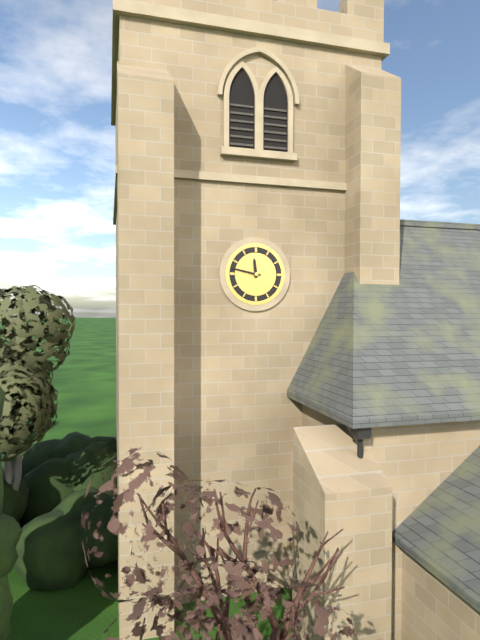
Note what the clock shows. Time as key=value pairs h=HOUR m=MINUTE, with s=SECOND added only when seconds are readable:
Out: h=11 m=47
